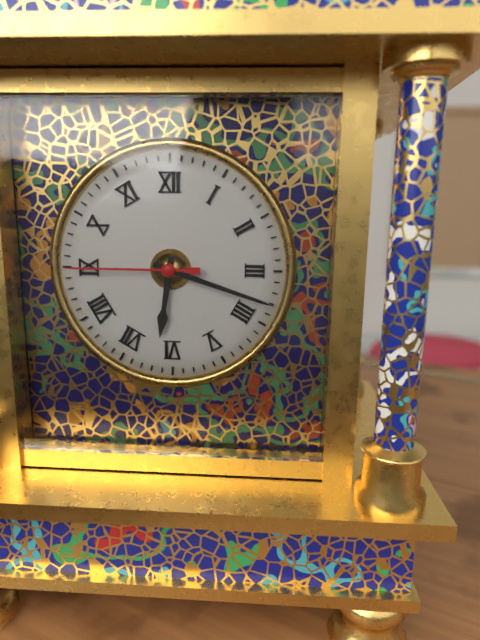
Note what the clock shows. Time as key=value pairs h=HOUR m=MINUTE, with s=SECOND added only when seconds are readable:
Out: h=6 m=18 s=45
